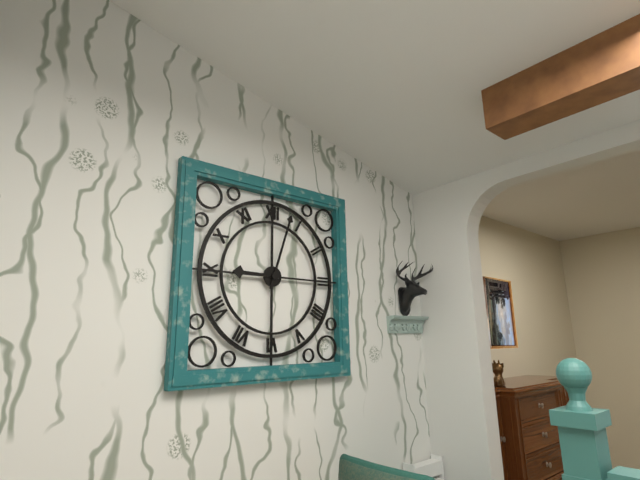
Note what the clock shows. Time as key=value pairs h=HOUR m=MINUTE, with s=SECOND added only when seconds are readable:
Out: h=9 m=3
